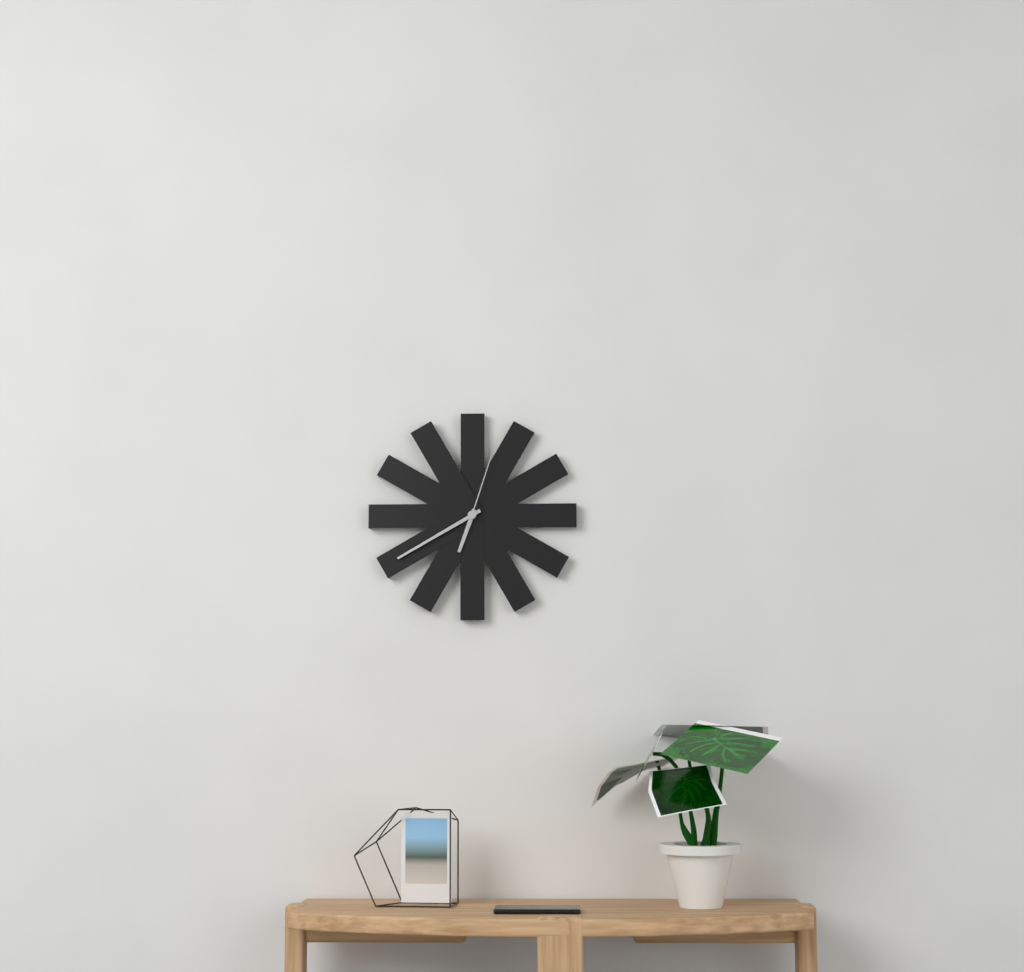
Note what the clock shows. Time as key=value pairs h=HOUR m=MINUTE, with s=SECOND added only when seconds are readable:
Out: h=6 m=40 s=3
